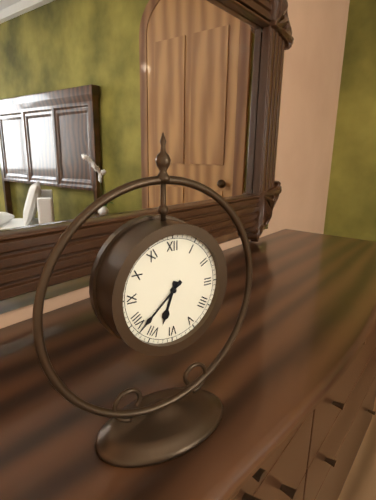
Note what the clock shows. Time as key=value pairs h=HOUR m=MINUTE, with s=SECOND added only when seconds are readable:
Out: h=6 m=38
